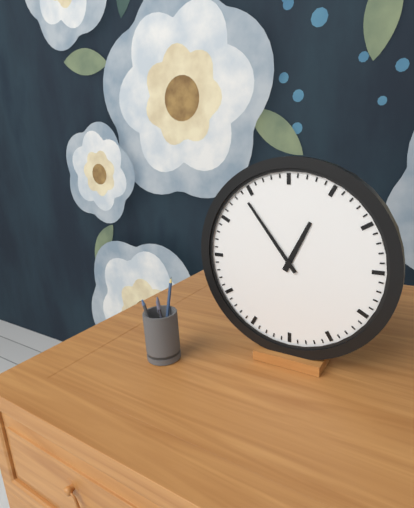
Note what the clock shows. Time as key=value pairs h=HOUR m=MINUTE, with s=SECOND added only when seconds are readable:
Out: h=12 m=54
